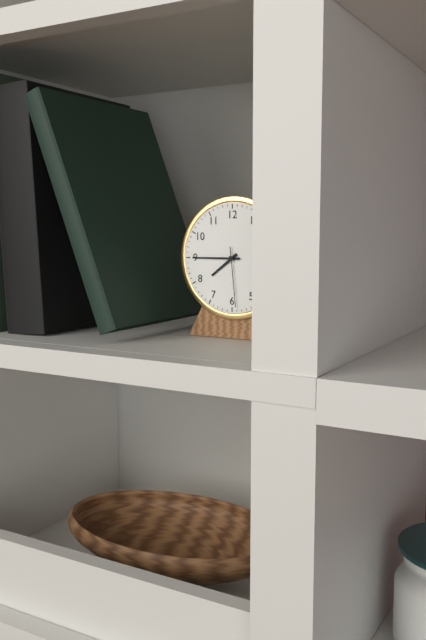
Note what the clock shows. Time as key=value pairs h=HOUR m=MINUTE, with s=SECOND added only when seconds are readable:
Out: h=7 m=45 s=29
